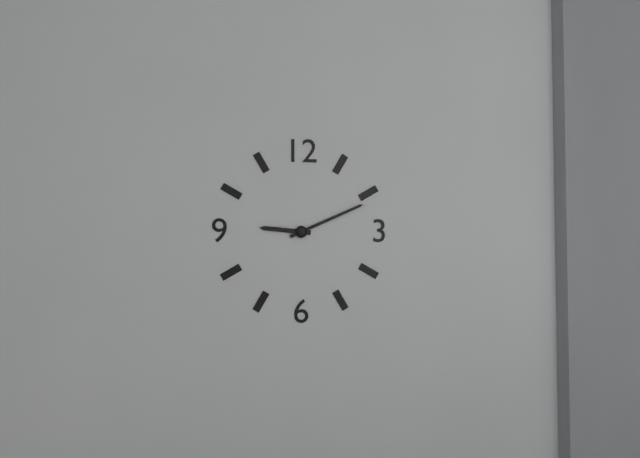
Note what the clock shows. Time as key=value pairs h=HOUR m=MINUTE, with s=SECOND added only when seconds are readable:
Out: h=9 m=11
